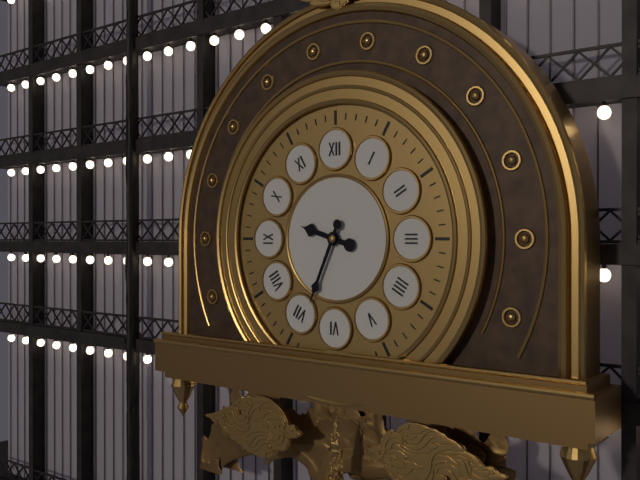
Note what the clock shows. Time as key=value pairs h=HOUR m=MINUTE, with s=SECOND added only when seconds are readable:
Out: h=9 m=34
